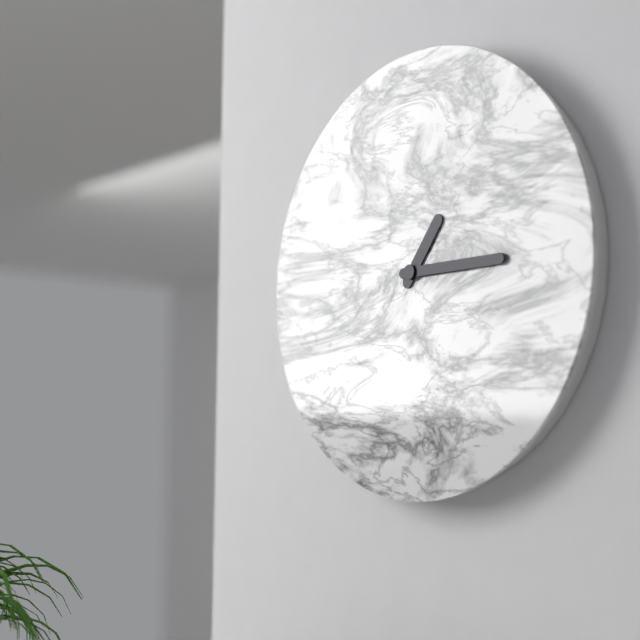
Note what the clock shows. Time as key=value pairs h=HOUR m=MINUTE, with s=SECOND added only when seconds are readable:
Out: h=1 m=15
